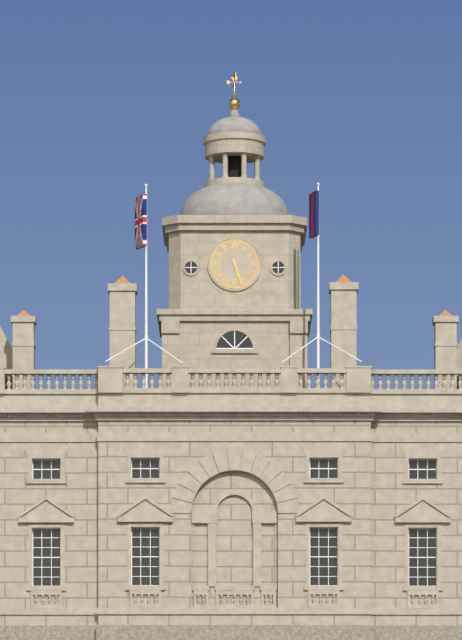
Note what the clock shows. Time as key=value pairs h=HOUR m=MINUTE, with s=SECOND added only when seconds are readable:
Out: h=5 m=27
